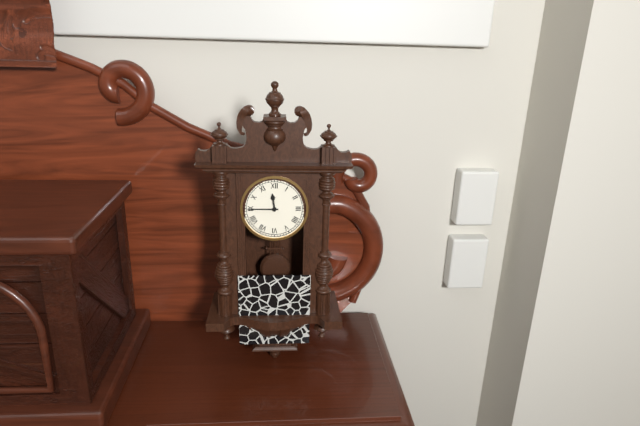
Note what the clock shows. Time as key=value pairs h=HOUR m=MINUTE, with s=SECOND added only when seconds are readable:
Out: h=11 m=45
